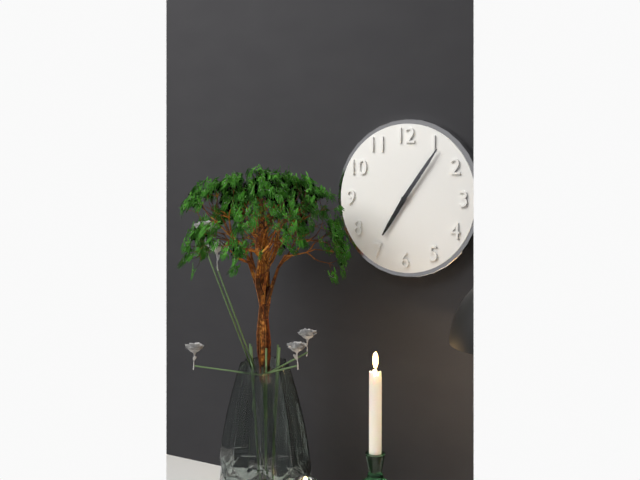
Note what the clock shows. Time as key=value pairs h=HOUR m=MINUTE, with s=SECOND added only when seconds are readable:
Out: h=7 m=6
